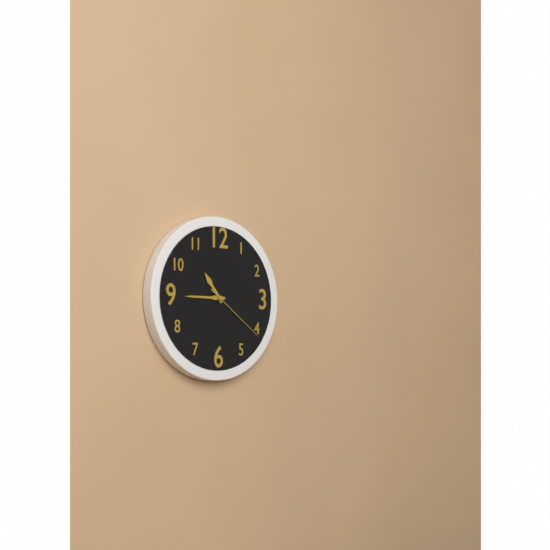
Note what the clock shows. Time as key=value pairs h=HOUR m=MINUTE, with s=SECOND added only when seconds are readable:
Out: h=10 m=45 s=21
